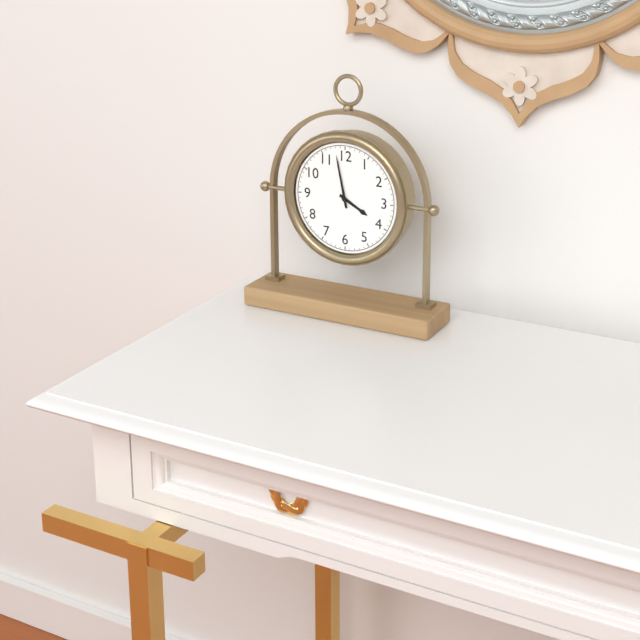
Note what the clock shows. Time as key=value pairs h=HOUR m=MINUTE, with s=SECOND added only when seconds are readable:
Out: h=3 m=58
